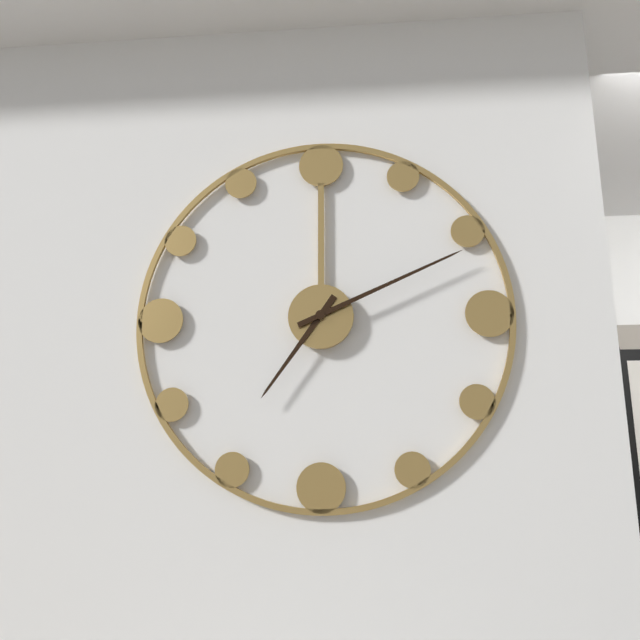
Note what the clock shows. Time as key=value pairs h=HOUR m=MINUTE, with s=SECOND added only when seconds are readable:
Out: h=7 m=11
